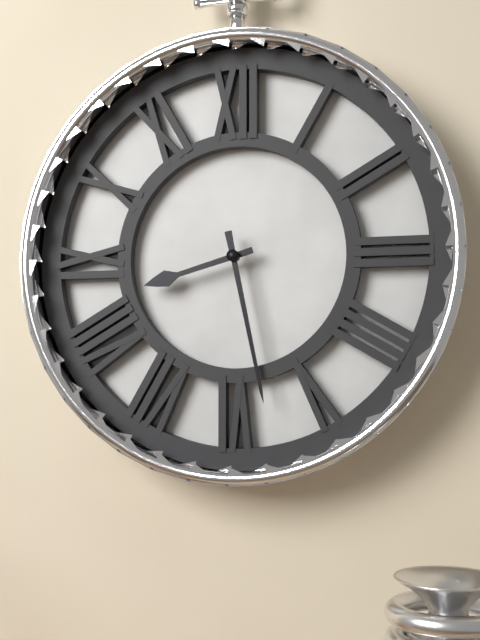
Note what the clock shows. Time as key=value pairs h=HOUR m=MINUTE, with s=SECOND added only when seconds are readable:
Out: h=8 m=28
